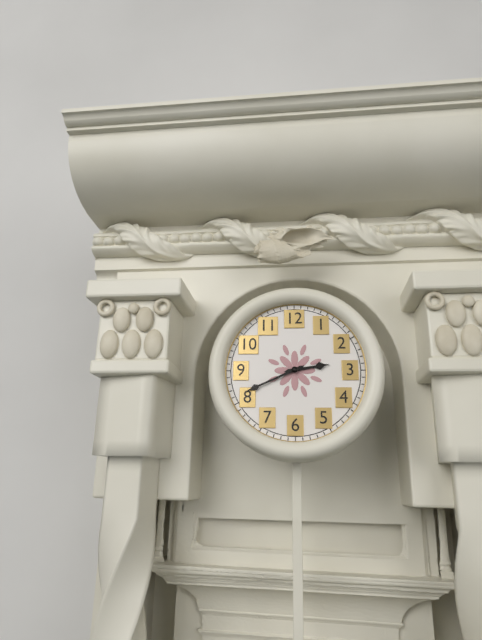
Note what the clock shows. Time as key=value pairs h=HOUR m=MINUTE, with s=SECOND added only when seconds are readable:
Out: h=2 m=41
